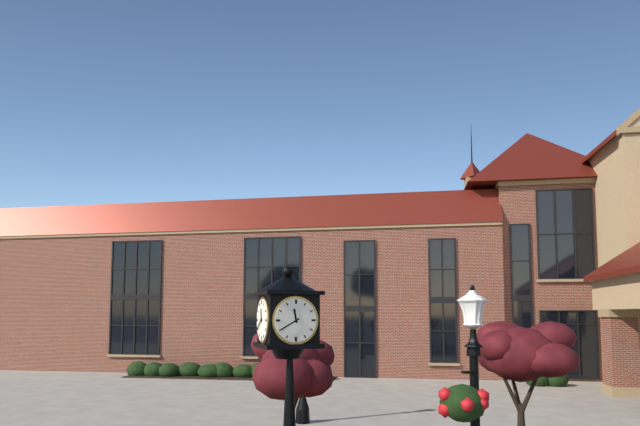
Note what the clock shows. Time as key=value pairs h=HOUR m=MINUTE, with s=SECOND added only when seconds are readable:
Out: h=11 m=40
